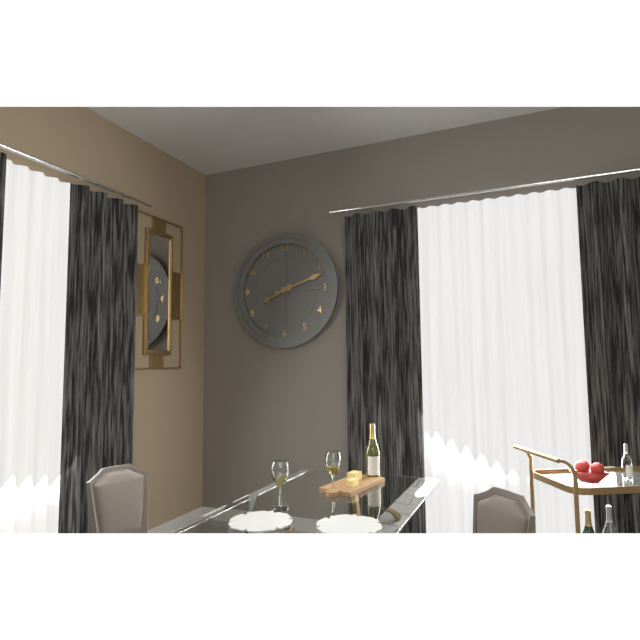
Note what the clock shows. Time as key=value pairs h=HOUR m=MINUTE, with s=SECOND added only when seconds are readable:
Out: h=8 m=12
